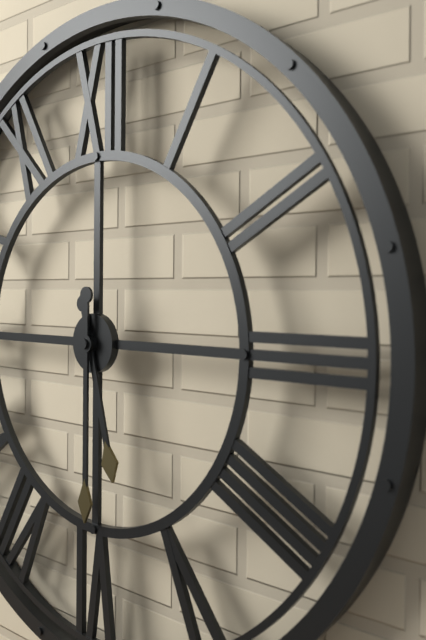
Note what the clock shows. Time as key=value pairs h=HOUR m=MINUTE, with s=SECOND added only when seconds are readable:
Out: h=5 m=30
